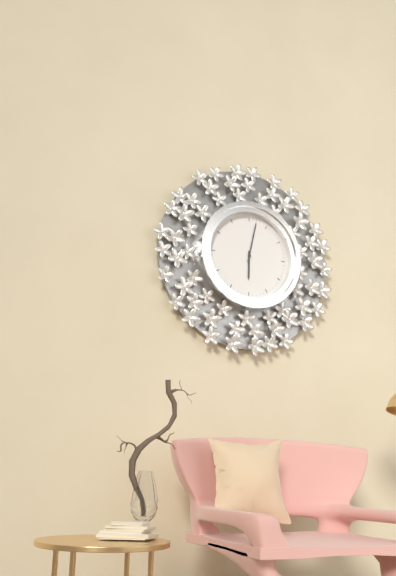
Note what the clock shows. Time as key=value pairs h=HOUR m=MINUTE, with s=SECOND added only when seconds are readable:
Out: h=6 m=2
